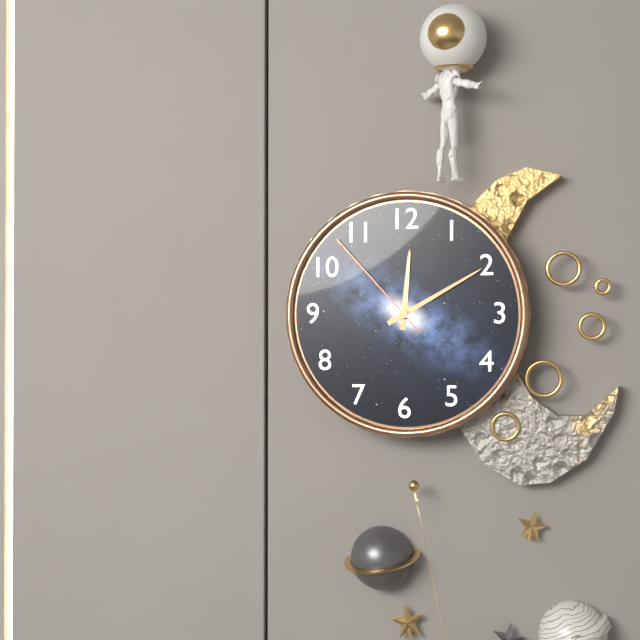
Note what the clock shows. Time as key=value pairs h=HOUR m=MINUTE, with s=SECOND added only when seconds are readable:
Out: h=12 m=10 s=53
